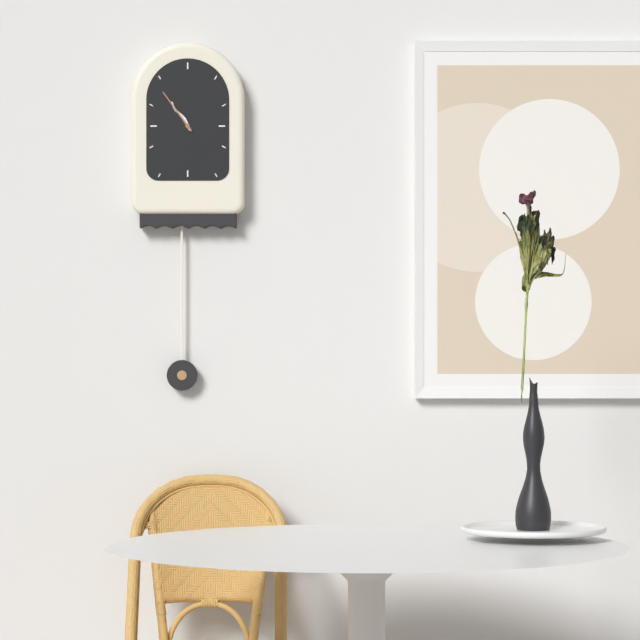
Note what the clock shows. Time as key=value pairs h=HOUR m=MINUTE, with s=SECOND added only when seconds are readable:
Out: h=10 m=54
